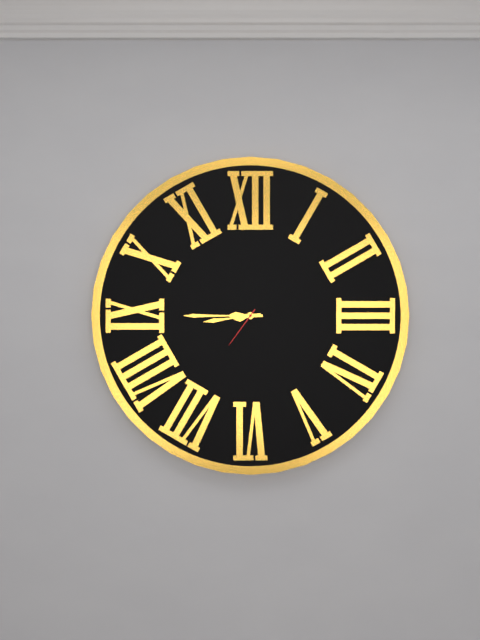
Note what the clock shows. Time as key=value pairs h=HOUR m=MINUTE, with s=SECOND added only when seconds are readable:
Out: h=8 m=45
